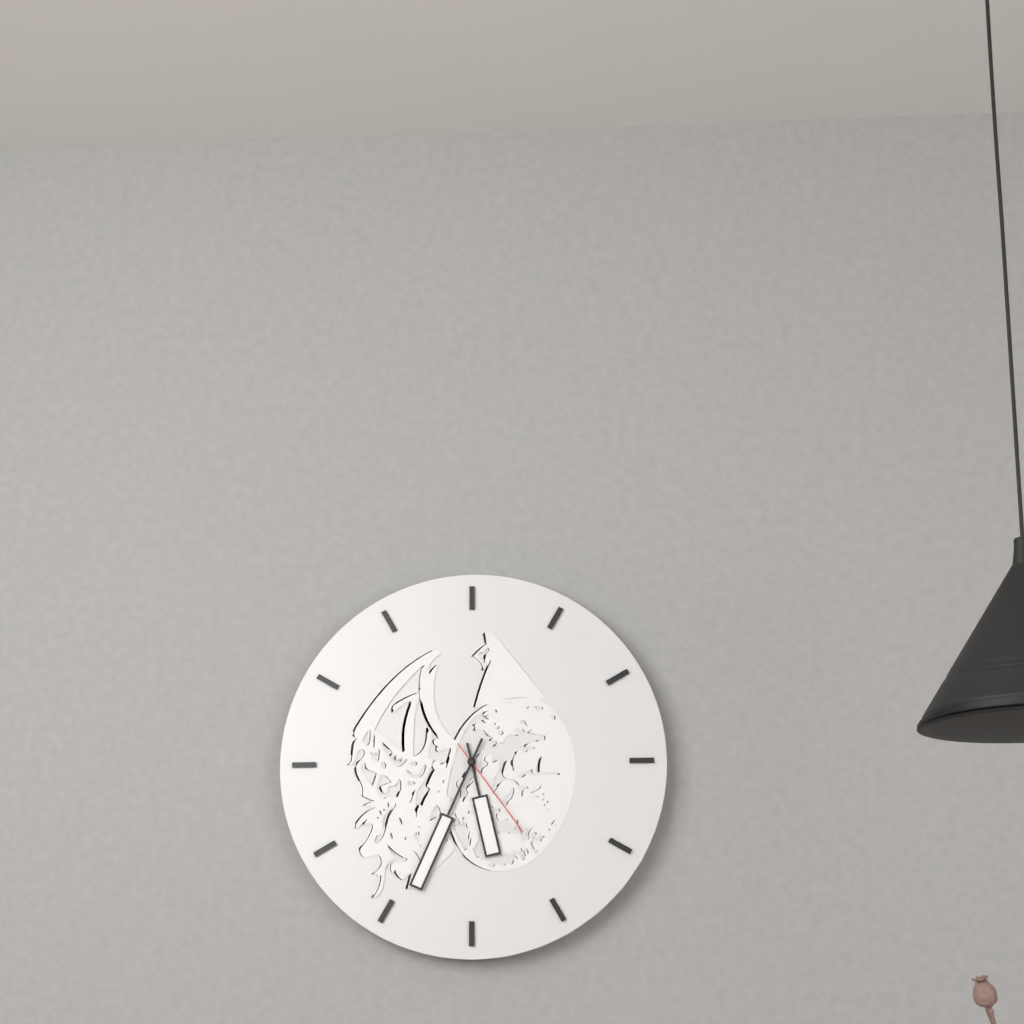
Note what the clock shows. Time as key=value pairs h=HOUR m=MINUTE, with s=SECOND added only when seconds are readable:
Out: h=5 m=34 s=24
